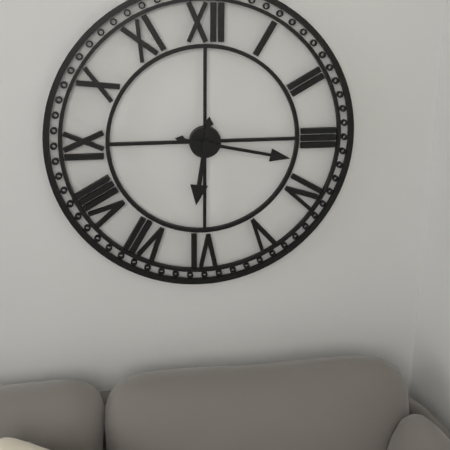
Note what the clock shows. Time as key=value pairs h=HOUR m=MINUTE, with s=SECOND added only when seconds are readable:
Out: h=6 m=17
